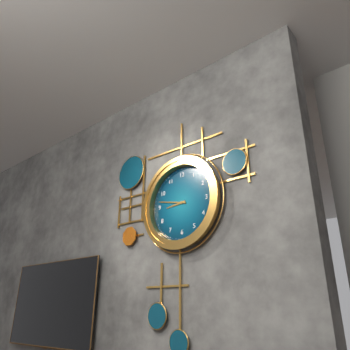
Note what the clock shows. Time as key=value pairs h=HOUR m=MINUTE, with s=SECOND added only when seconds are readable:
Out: h=8 m=47
